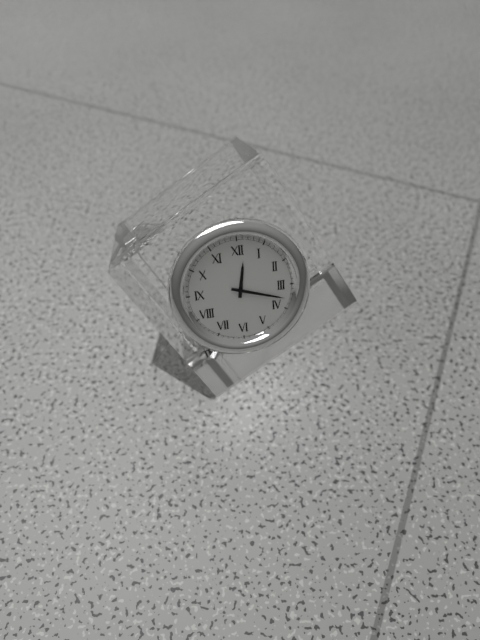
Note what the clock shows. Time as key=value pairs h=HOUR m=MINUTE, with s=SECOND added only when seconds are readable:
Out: h=12 m=18
